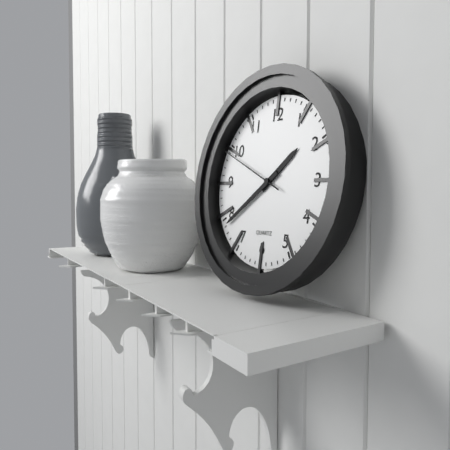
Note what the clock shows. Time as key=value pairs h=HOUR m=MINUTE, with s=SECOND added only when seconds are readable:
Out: h=1 m=39 s=49
